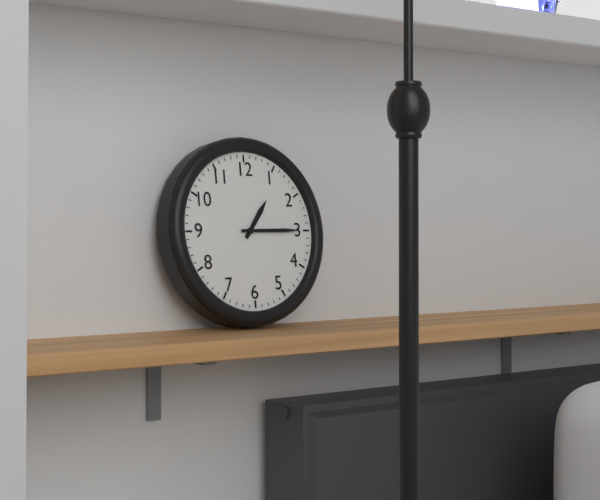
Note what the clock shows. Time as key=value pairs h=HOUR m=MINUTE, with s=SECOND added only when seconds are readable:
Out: h=1 m=15
